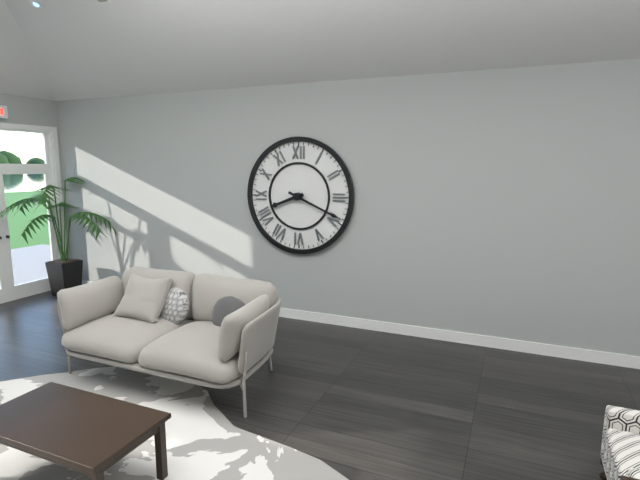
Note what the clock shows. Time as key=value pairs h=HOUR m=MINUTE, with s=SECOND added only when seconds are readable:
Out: h=8 m=19
